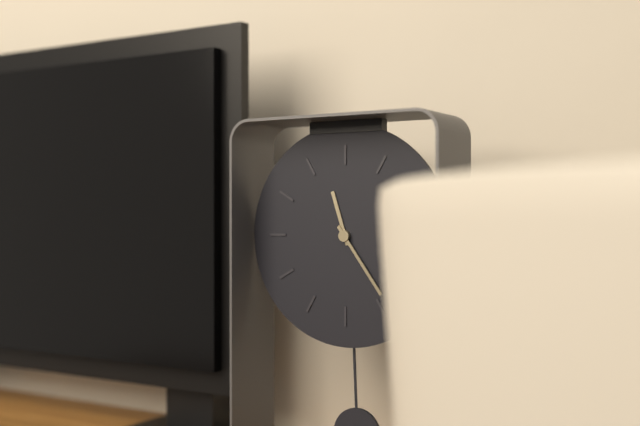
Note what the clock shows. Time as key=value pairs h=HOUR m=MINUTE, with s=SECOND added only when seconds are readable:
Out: h=11 m=24
